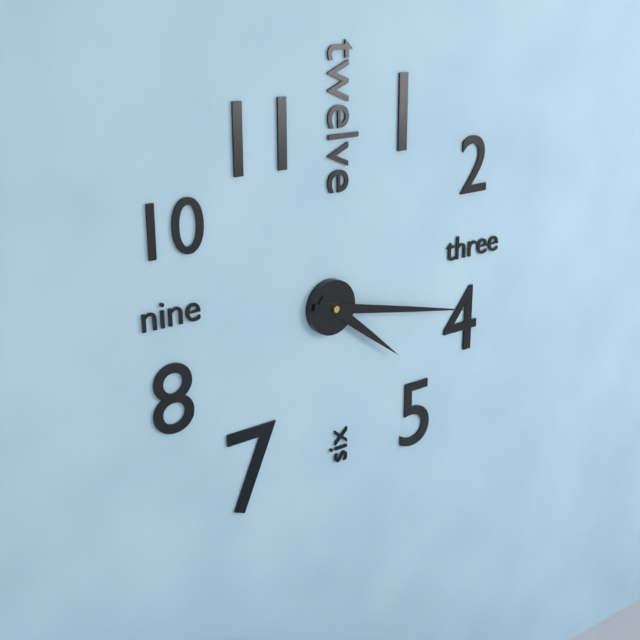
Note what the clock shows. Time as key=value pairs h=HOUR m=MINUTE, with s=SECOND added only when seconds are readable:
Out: h=4 m=17
